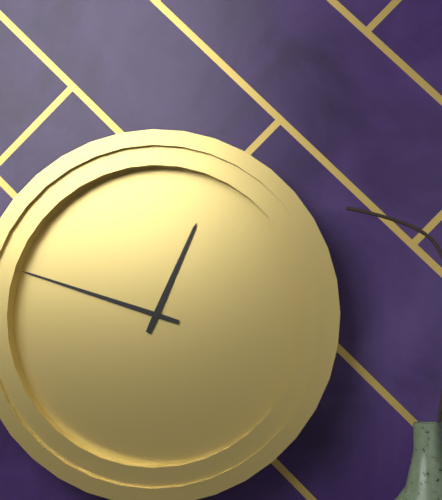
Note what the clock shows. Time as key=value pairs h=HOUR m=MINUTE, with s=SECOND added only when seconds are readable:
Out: h=12 m=48
